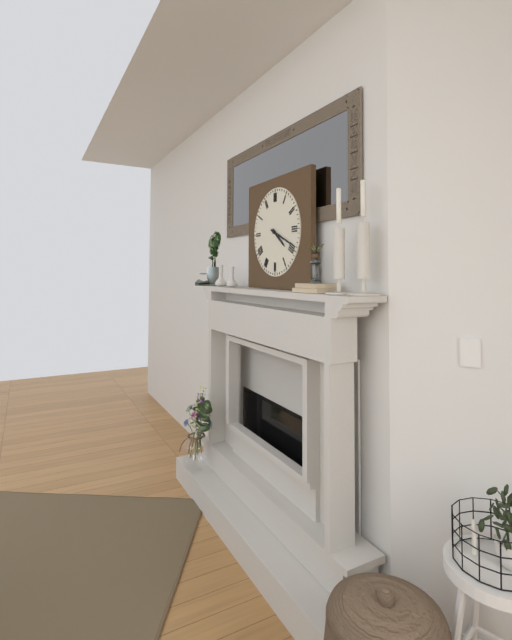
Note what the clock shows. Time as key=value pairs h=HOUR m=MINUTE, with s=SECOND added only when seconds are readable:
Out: h=4 m=19
